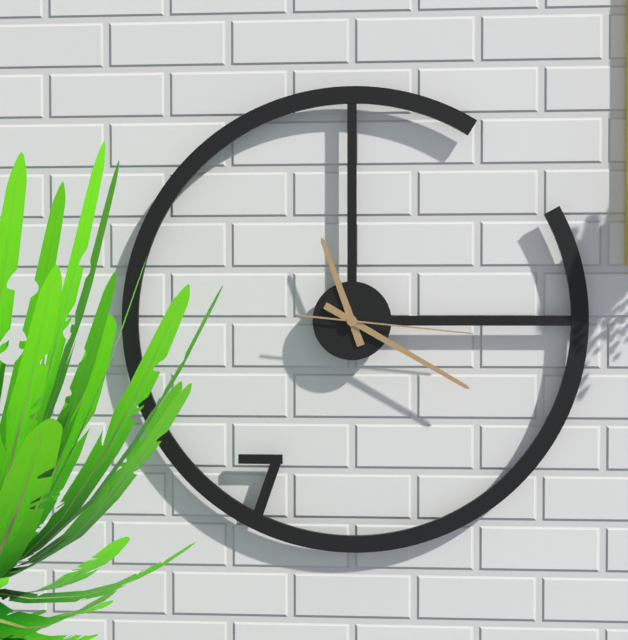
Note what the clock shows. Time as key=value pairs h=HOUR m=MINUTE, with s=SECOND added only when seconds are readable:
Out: h=11 m=20 s=16
